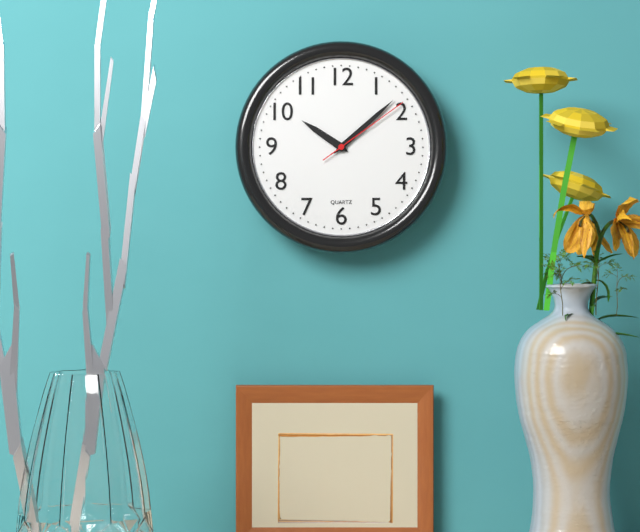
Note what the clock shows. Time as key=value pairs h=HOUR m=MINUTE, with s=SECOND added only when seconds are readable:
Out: h=10 m=8 s=9
